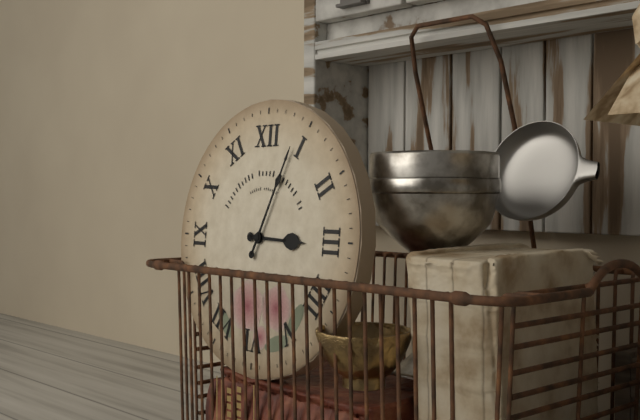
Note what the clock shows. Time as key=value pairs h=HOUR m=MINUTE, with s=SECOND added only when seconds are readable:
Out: h=3 m=4
